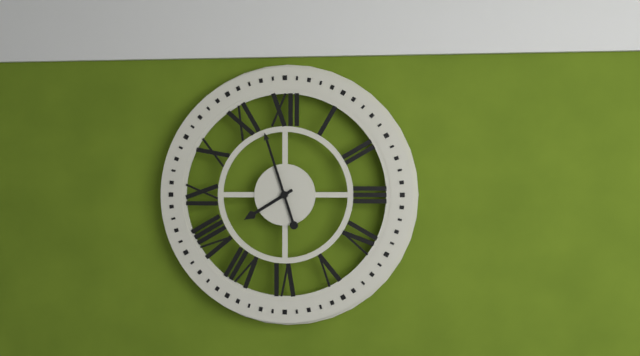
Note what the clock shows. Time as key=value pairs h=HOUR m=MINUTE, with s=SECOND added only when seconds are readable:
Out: h=7 m=57
